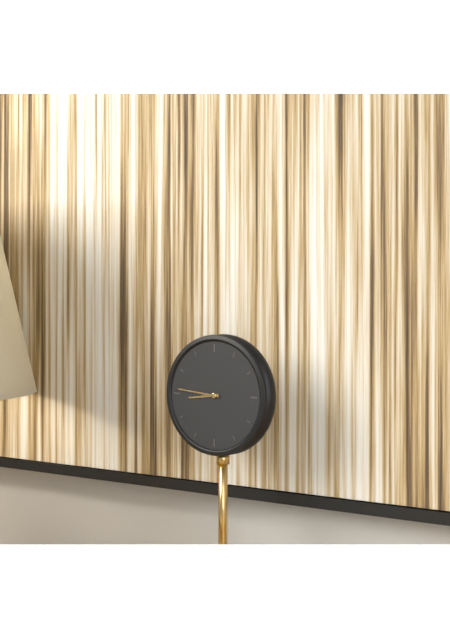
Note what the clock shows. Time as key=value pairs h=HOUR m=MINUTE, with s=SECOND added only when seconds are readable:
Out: h=8 m=46
